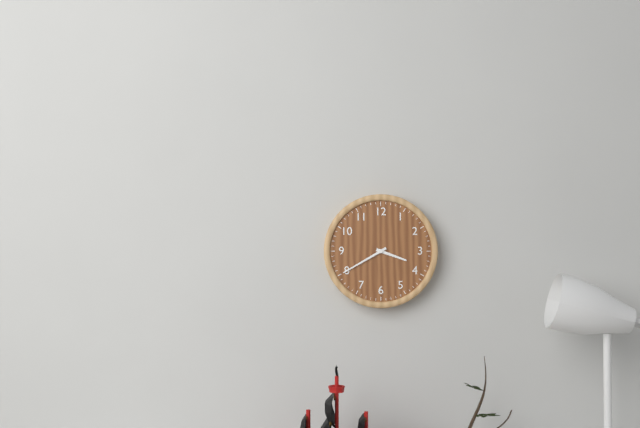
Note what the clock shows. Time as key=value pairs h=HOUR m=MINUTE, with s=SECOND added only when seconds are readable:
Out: h=3 m=40
